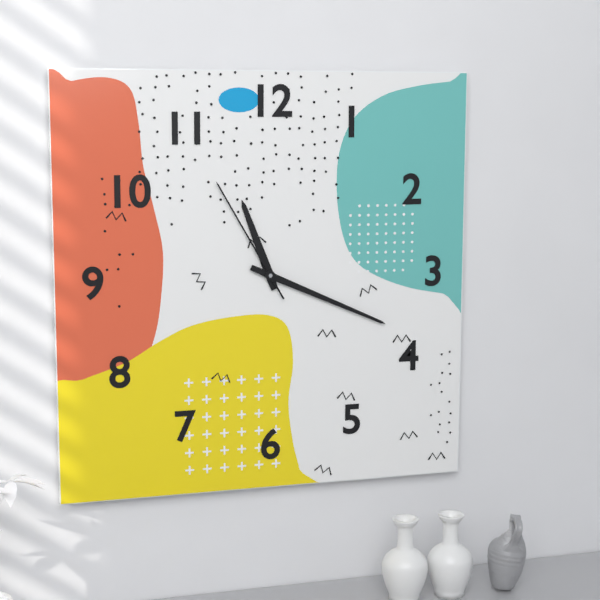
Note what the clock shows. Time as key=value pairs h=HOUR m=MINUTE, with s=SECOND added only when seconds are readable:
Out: h=11 m=19 s=55
